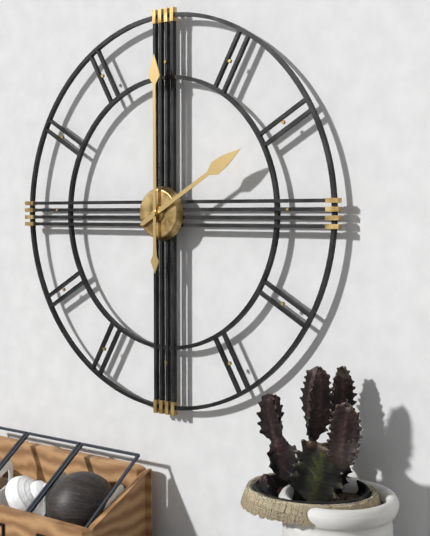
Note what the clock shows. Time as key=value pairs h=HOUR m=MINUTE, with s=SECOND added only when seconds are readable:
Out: h=2 m=0
